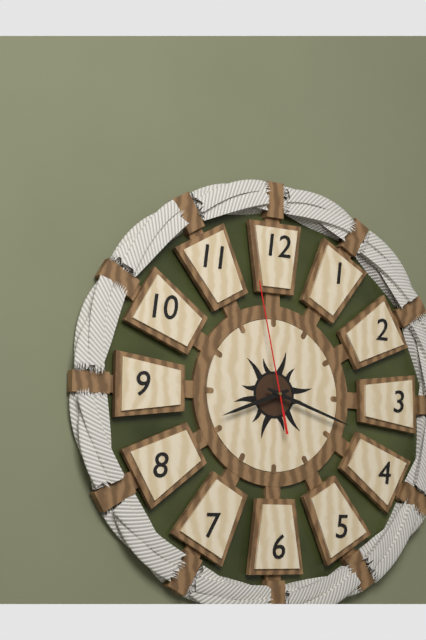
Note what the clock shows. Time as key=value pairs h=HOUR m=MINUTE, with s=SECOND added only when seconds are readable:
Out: h=8 m=18 s=58
